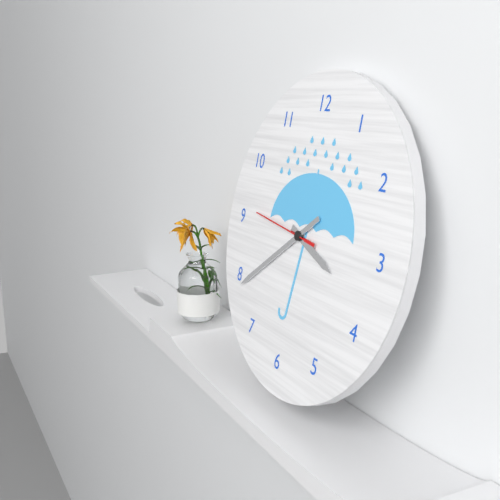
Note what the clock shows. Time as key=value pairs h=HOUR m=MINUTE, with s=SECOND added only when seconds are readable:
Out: h=3 m=39 s=46
